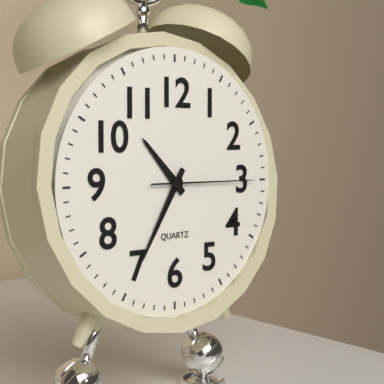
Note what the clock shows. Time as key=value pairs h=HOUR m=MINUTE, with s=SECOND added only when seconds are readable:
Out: h=10 m=35 s=15
